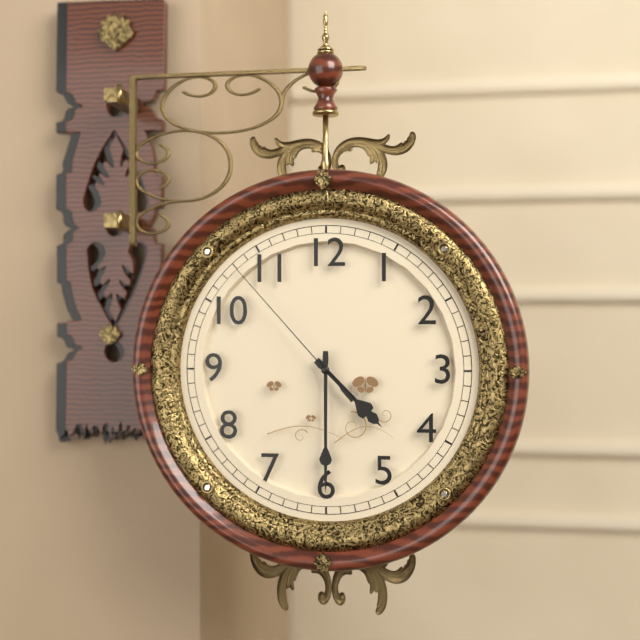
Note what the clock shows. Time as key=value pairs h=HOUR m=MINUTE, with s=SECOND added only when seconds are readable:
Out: h=4 m=30 s=53
